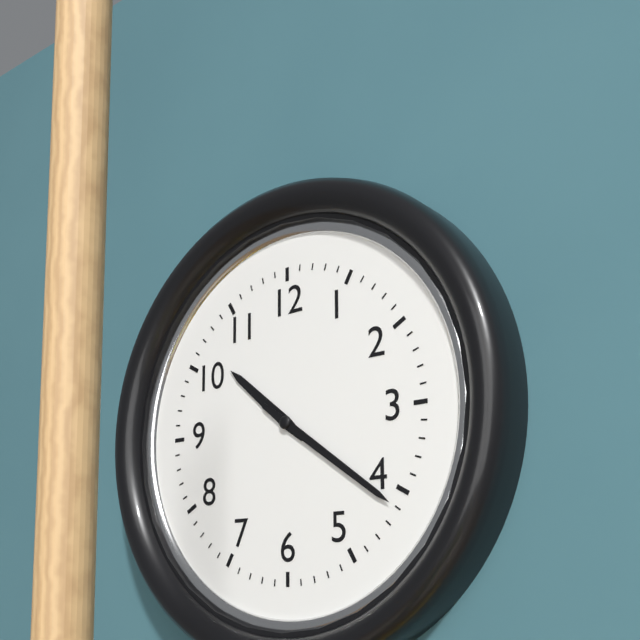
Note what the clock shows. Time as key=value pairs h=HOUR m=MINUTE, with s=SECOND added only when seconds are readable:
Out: h=10 m=21
